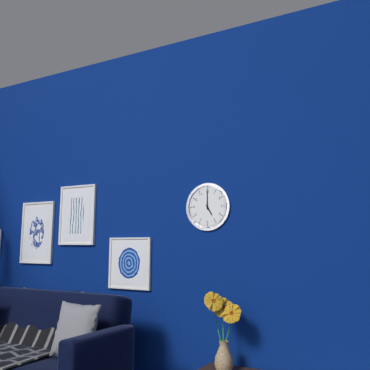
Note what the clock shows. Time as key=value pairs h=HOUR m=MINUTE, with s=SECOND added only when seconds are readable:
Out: h=5 m=0
